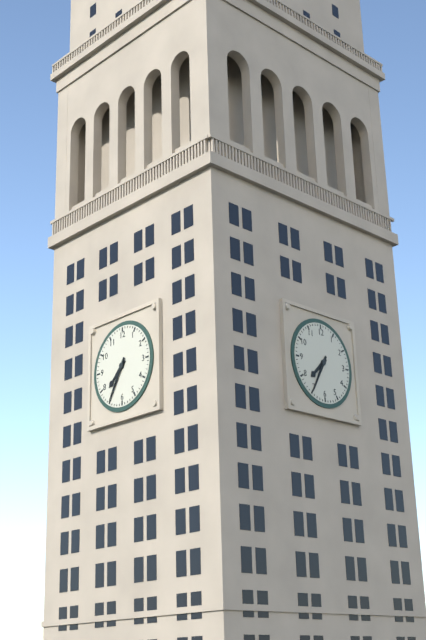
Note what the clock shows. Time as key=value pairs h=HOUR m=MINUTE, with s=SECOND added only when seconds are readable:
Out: h=7 m=35
